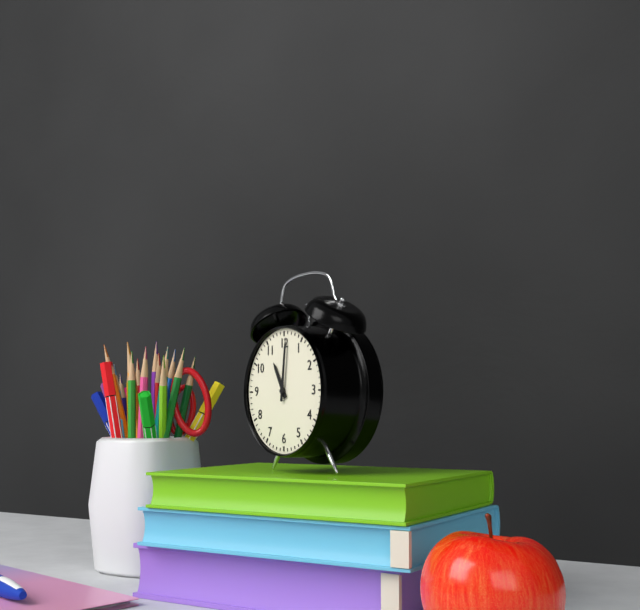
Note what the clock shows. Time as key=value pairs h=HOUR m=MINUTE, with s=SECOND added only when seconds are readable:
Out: h=11 m=1
